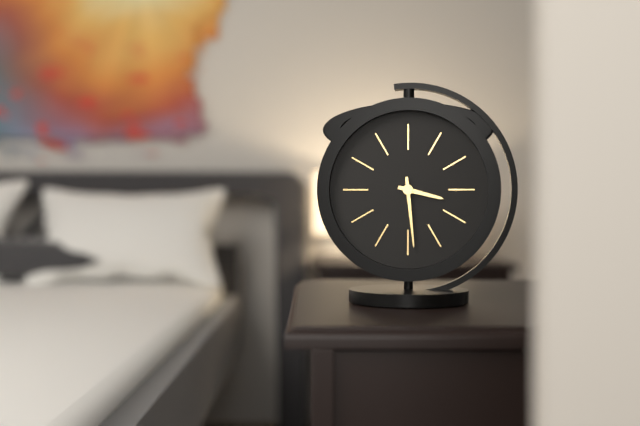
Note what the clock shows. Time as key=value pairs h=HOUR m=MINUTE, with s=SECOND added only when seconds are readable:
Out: h=3 m=29
